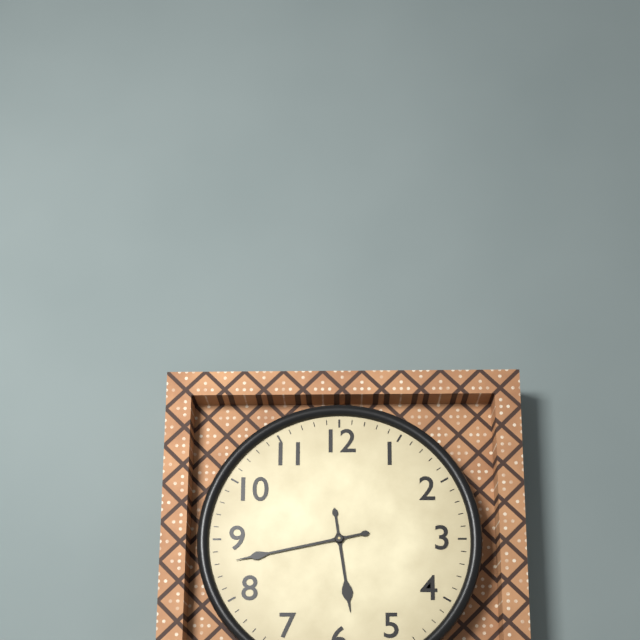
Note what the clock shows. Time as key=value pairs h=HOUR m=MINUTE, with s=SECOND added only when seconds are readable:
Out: h=5 m=43
